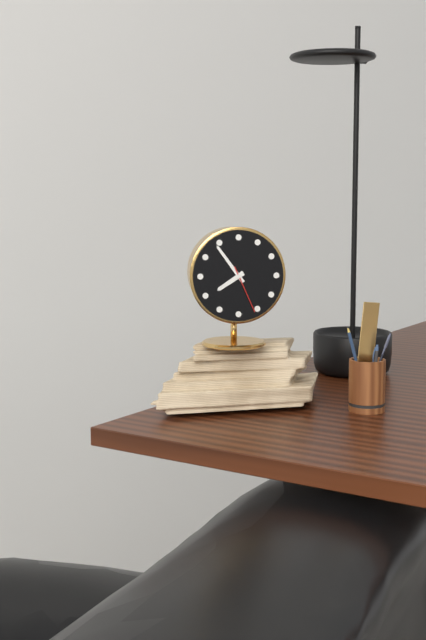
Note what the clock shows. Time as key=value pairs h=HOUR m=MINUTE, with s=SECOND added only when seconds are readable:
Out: h=7 m=54 s=26
